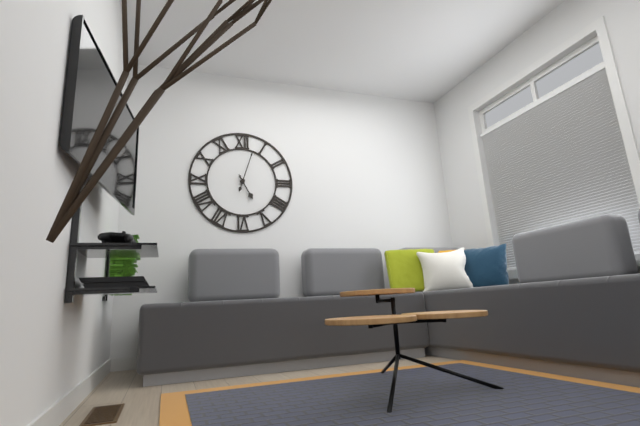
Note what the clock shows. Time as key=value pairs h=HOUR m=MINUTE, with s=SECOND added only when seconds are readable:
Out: h=5 m=3
